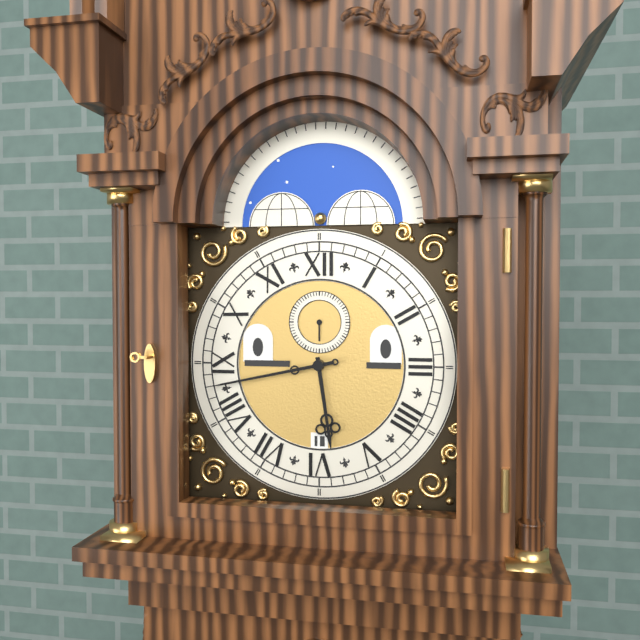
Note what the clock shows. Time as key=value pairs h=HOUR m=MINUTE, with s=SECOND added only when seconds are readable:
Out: h=5 m=43
